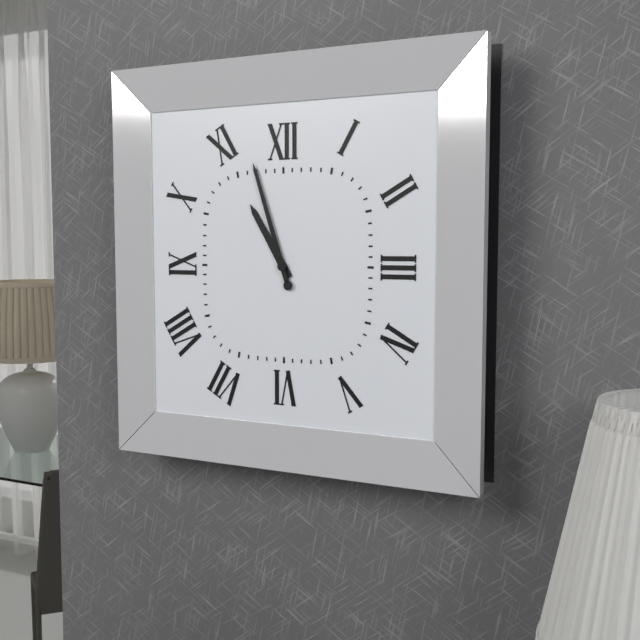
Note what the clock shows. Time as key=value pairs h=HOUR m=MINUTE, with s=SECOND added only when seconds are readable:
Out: h=10 m=57
